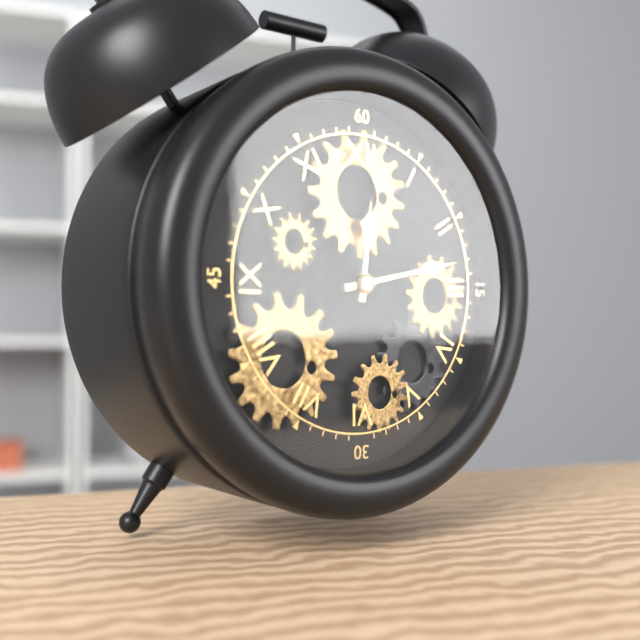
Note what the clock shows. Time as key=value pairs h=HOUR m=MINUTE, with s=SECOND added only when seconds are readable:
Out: h=12 m=13
